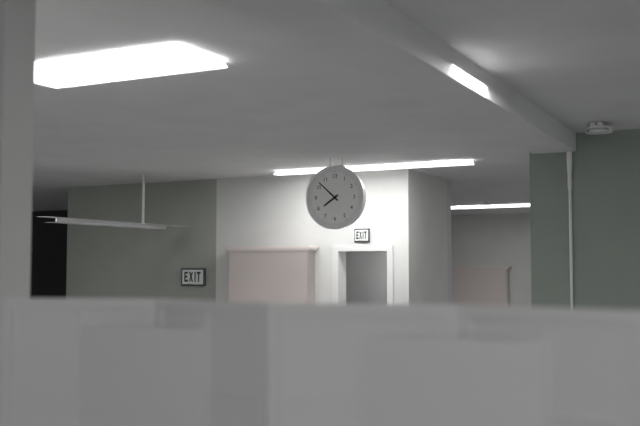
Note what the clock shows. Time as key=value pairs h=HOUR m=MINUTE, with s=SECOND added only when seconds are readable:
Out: h=7 m=52
